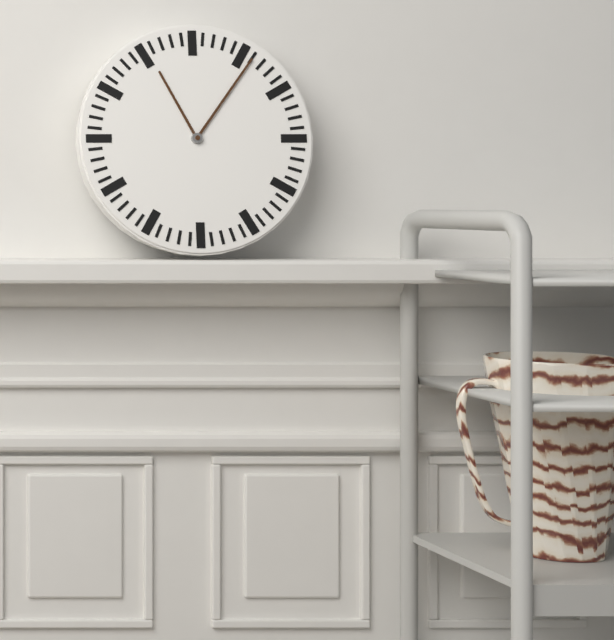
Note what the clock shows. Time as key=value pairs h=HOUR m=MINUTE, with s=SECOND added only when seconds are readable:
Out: h=11 m=6
